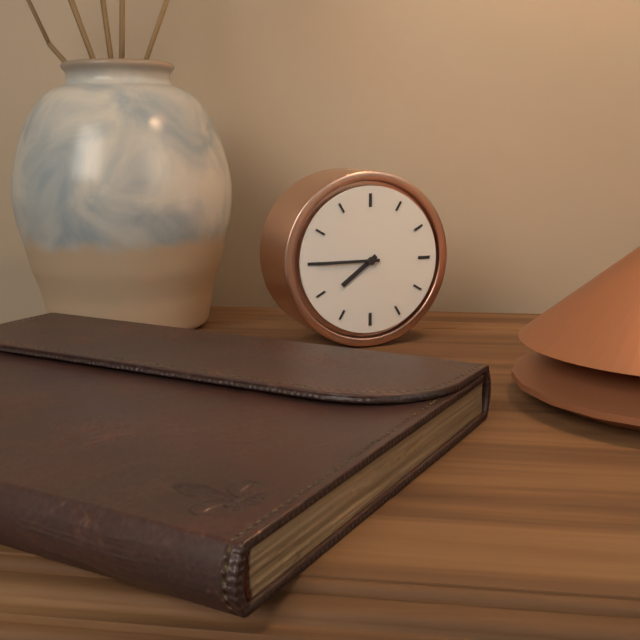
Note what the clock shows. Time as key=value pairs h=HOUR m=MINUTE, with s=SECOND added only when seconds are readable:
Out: h=7 m=45
